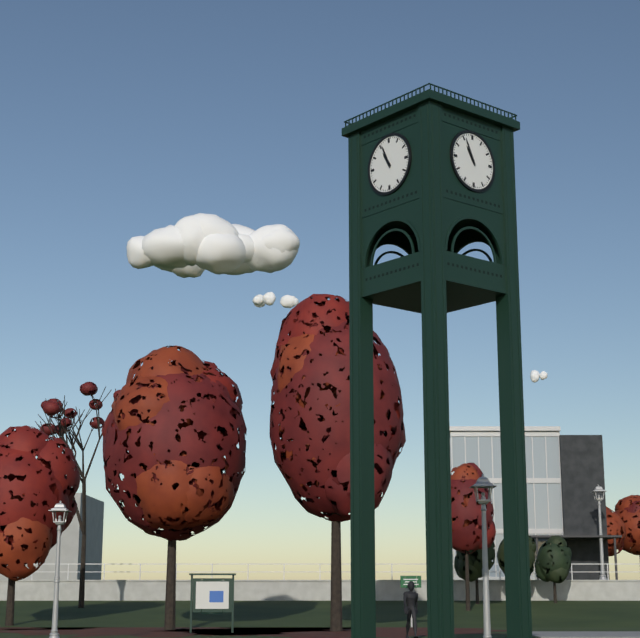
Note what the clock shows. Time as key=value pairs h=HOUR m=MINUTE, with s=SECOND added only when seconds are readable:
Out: h=10 m=56
